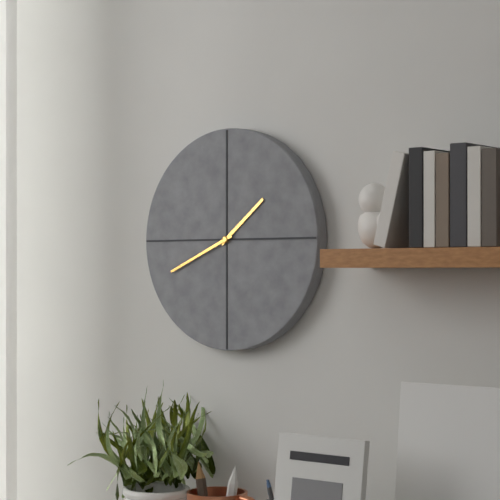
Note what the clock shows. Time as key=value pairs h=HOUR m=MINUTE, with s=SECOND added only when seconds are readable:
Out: h=1 m=41
